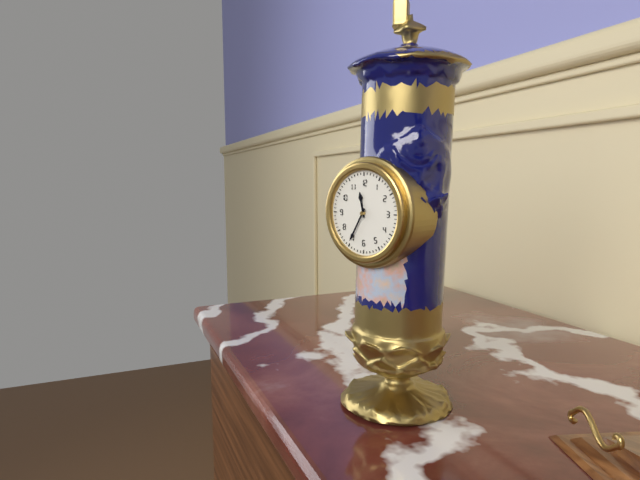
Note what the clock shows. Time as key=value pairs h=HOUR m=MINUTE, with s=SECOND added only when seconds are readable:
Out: h=11 m=35
